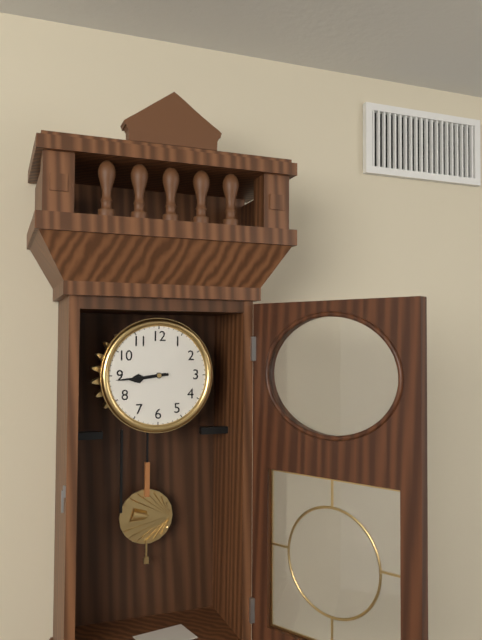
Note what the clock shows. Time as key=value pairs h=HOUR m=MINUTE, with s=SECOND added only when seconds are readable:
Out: h=8 m=44
